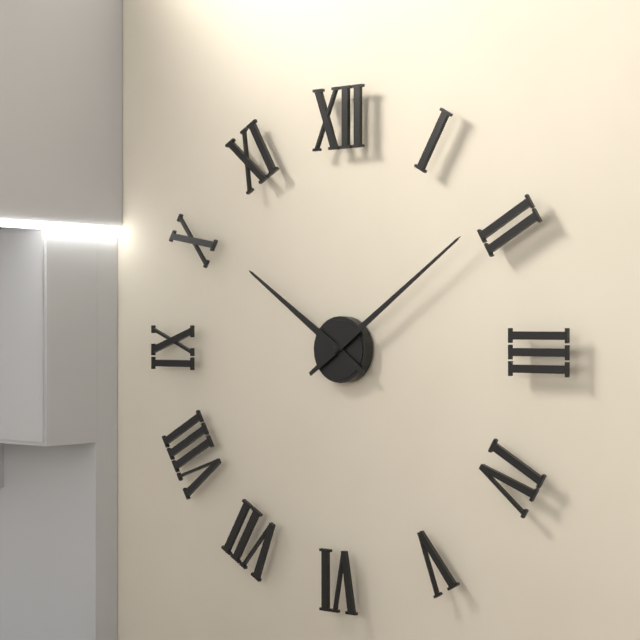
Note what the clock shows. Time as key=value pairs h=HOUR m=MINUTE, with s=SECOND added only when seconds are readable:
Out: h=10 m=9
